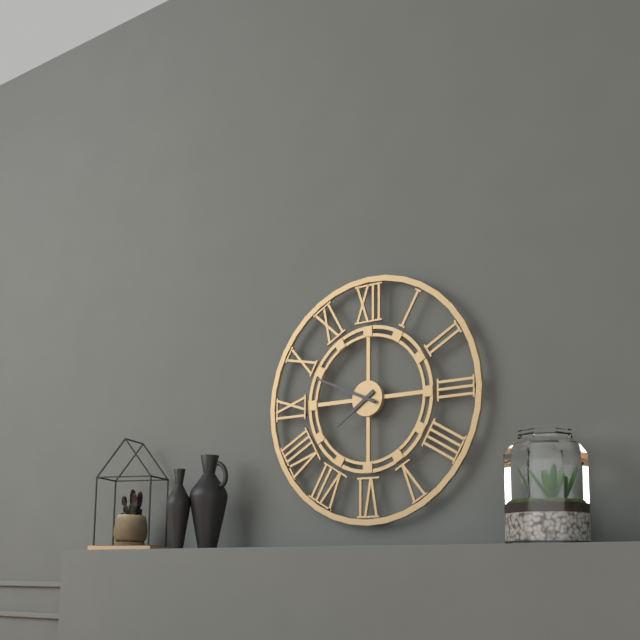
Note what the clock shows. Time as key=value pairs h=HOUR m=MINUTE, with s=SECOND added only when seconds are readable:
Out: h=7 m=49
